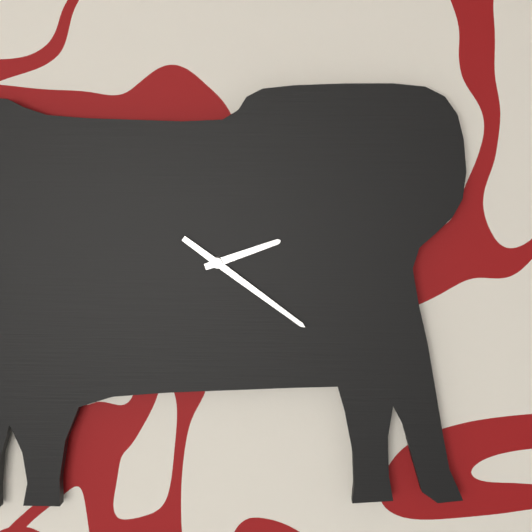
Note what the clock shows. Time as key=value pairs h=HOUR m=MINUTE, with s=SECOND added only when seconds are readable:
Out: h=2 m=21
